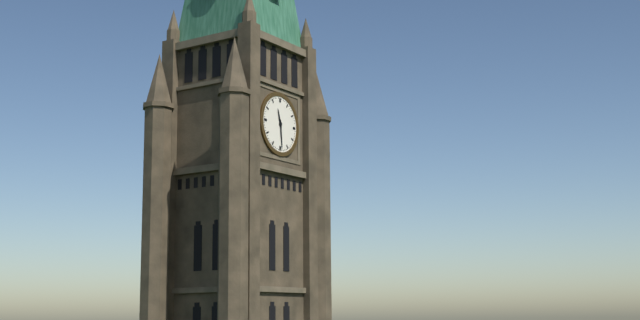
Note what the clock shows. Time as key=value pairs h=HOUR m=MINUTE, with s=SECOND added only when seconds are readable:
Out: h=11 m=29
